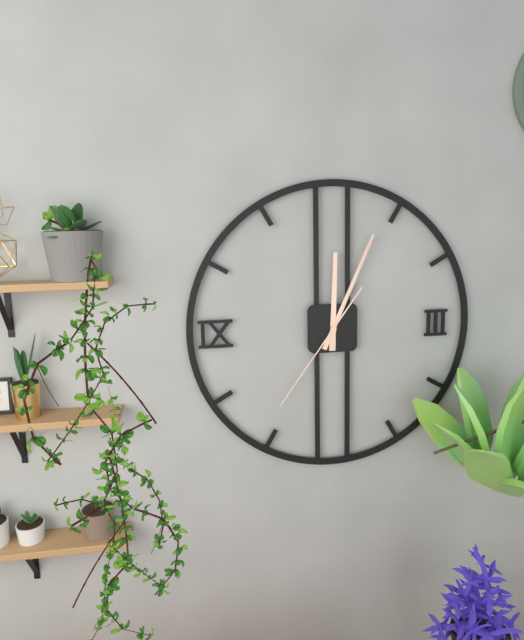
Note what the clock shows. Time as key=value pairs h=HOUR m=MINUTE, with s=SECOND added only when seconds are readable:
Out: h=12 m=4 s=36
